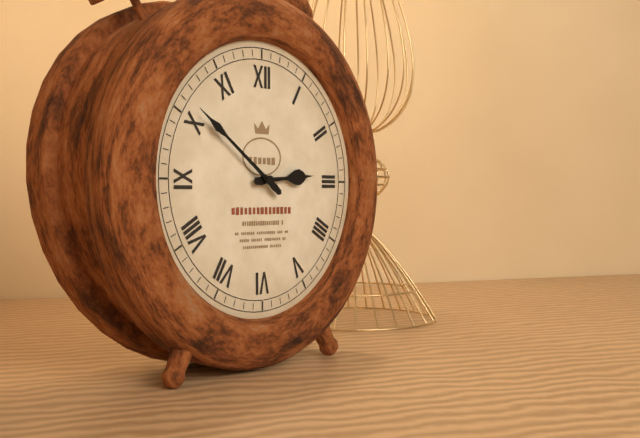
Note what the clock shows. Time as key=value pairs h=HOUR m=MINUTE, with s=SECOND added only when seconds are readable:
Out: h=2 m=51
